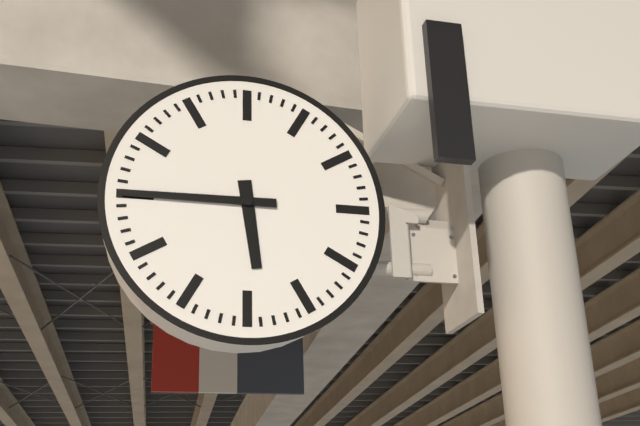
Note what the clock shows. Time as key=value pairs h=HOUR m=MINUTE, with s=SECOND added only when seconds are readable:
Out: h=5 m=45
